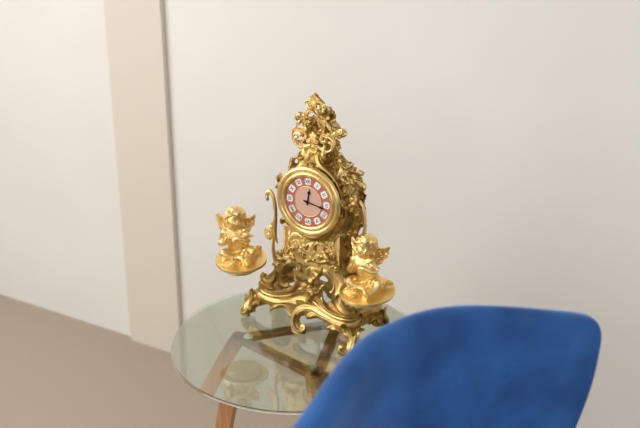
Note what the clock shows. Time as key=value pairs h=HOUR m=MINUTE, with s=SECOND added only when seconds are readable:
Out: h=12 m=17
